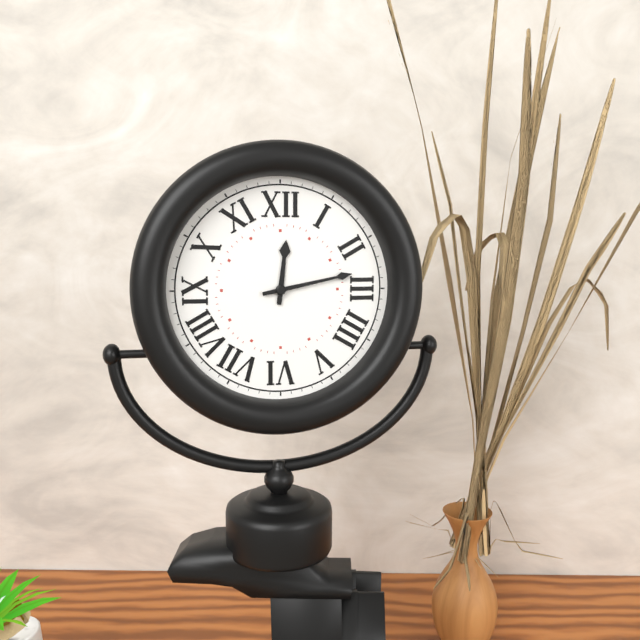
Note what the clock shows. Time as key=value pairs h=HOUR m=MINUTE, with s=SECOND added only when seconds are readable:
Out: h=12 m=13
